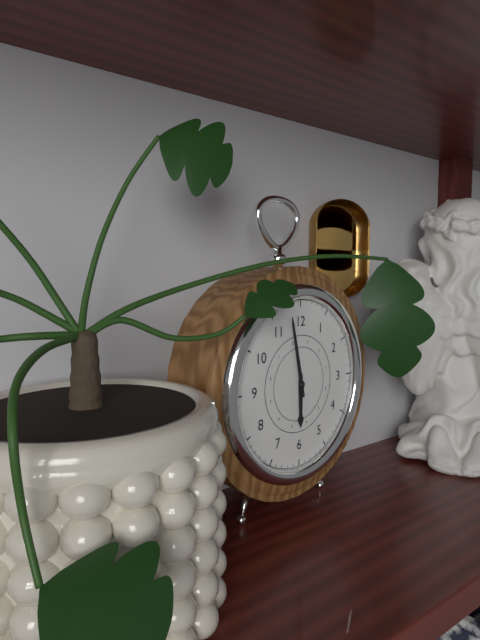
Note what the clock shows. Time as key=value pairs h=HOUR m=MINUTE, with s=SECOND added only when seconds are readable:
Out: h=5 m=58
